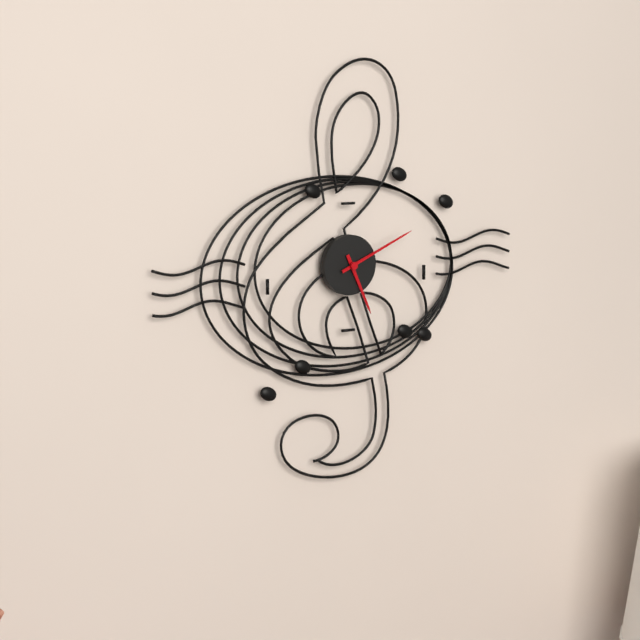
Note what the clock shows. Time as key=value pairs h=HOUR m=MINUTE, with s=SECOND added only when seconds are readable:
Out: h=5 m=11
